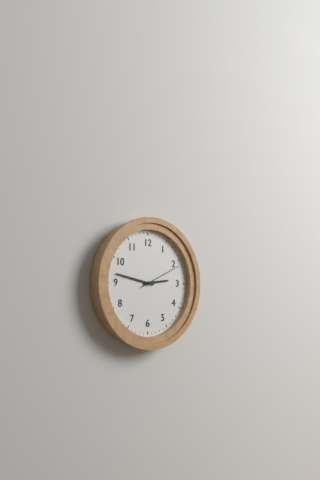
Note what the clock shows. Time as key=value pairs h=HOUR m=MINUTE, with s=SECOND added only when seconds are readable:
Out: h=2 m=47
